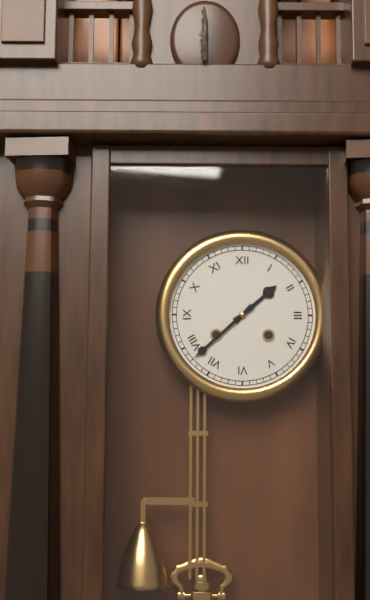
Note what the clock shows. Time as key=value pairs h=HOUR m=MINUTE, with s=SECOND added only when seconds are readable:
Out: h=1 m=38
